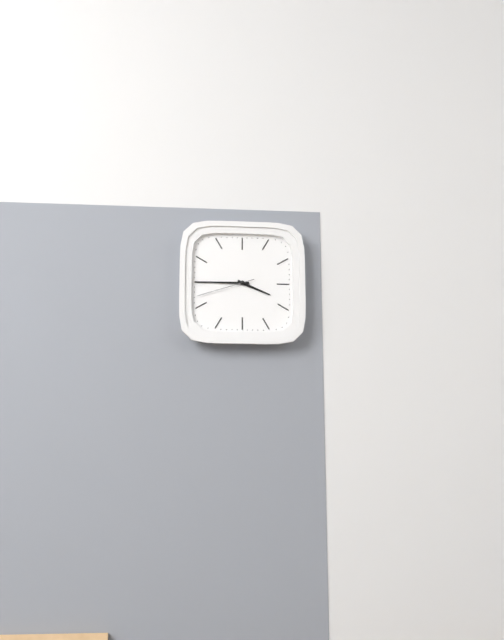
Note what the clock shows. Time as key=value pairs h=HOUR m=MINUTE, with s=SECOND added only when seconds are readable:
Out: h=3 m=45 s=42
